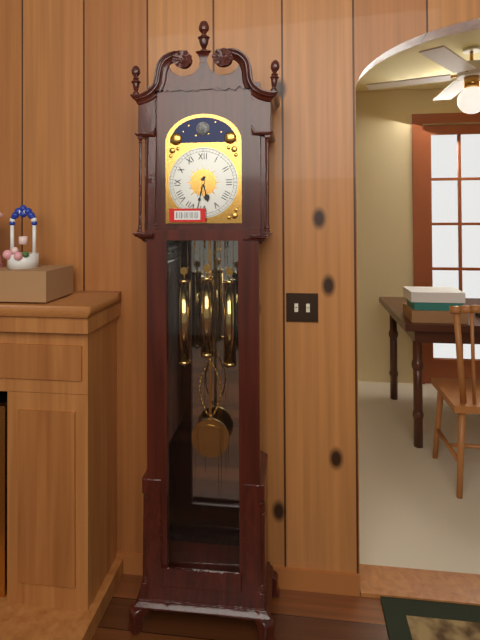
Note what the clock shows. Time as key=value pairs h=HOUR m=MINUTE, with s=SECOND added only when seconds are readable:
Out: h=5 m=32
